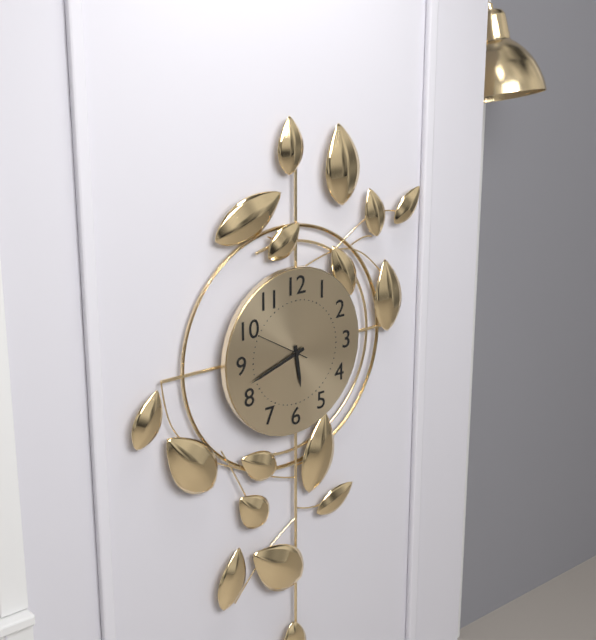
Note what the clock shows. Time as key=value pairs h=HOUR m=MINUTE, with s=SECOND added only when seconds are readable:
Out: h=5 m=42 s=50
